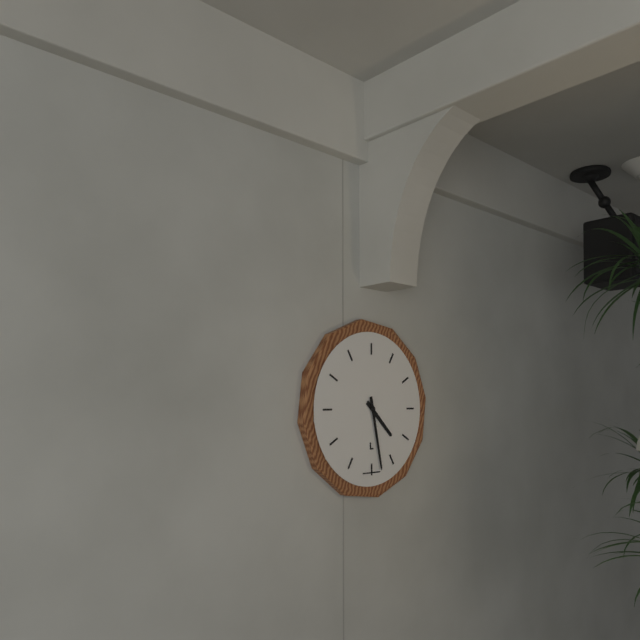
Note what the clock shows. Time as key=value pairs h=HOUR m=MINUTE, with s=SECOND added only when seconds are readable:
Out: h=4 m=28
